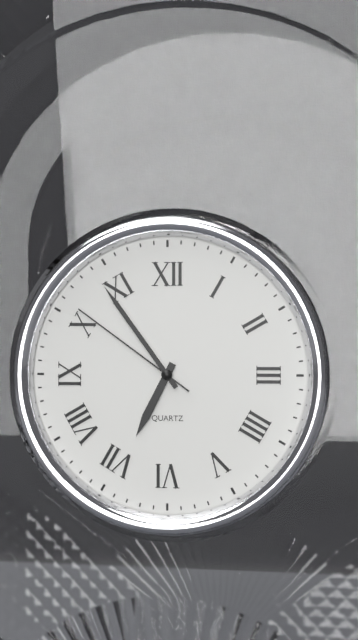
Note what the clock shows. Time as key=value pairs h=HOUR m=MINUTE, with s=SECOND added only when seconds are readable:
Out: h=6 m=54 s=51
